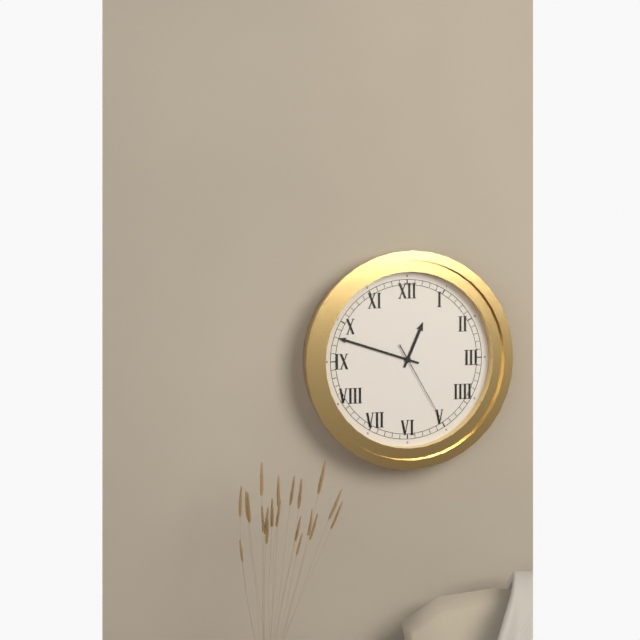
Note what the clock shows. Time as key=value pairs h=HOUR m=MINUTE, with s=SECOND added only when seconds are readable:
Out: h=12 m=48 s=25
